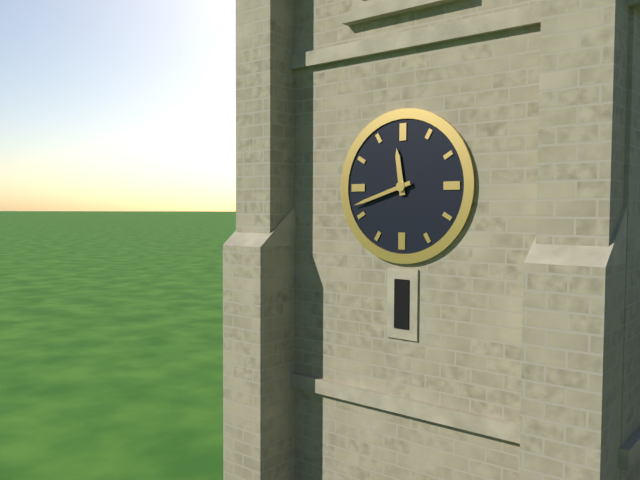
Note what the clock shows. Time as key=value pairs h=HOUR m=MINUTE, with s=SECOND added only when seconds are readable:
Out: h=11 m=42
